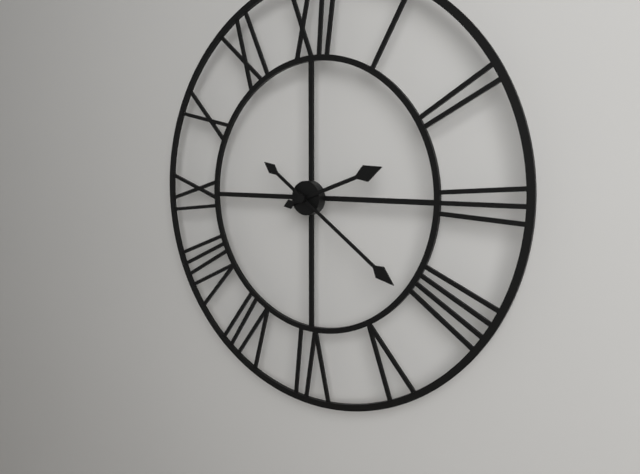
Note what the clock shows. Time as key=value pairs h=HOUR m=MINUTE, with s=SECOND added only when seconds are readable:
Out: h=2 m=21
